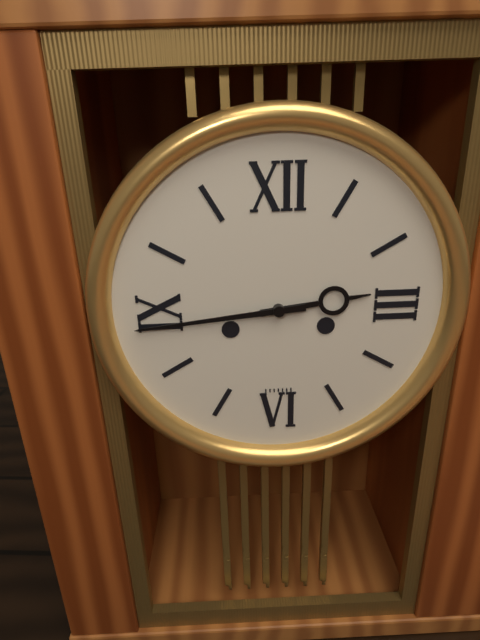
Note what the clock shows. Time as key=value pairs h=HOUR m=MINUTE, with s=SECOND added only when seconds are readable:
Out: h=2 m=44
